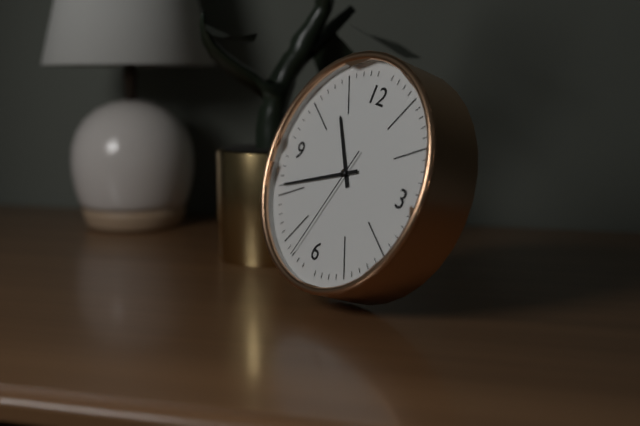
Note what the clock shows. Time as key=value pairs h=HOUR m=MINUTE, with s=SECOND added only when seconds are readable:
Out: h=10 m=41 s=33
